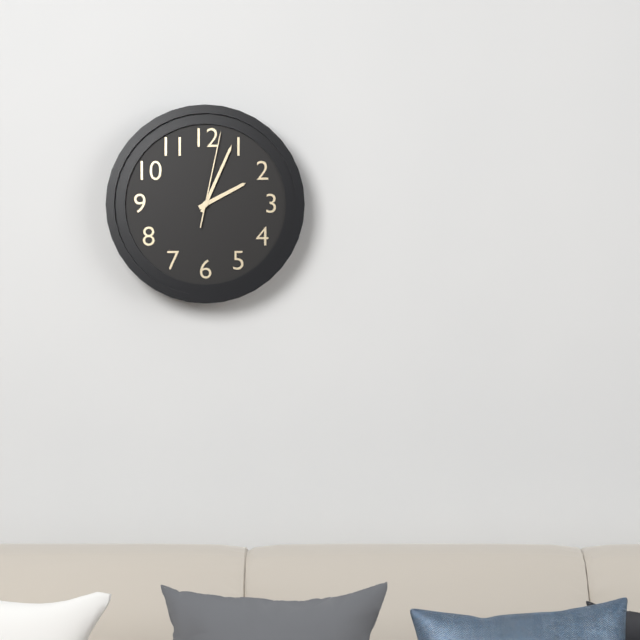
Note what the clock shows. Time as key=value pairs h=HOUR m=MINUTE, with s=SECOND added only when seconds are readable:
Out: h=2 m=4 s=2
